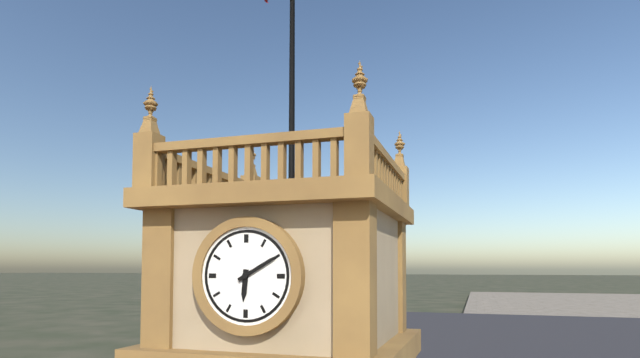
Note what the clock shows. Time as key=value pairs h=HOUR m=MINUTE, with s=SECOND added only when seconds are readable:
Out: h=6 m=10
